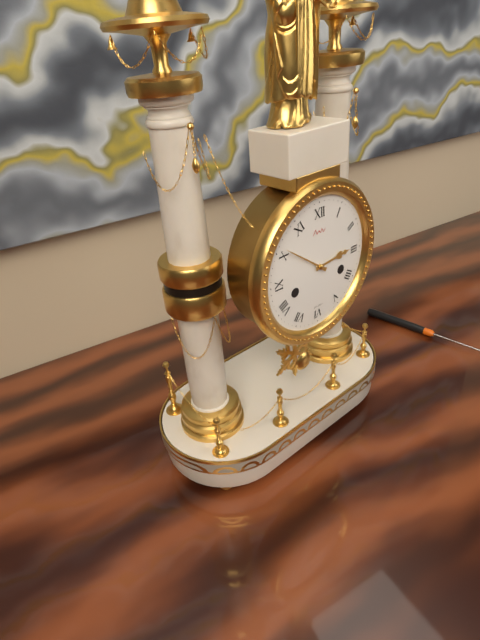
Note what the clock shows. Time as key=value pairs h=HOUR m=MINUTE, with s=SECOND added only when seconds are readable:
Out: h=2 m=51
